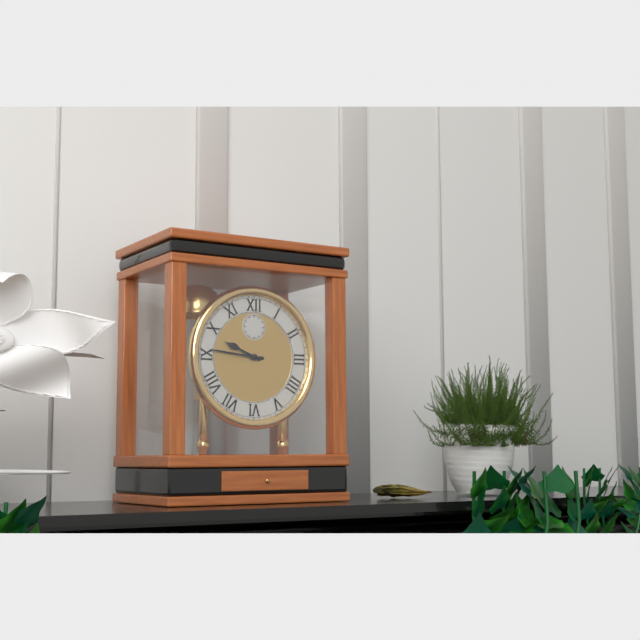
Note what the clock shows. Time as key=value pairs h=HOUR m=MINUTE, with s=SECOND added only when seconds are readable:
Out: h=9 m=46
